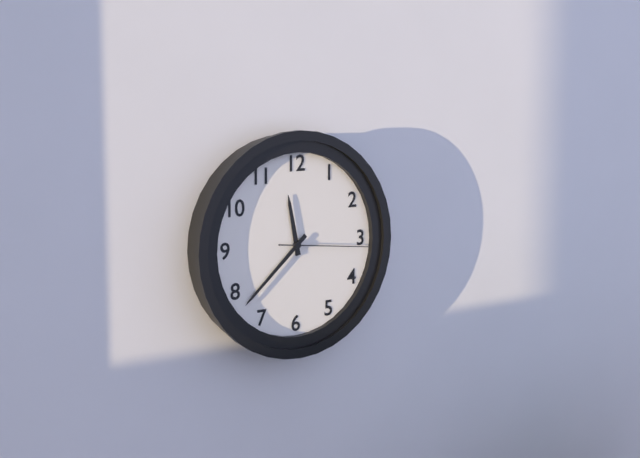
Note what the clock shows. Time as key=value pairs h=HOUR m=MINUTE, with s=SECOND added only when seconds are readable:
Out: h=11 m=38 s=16
